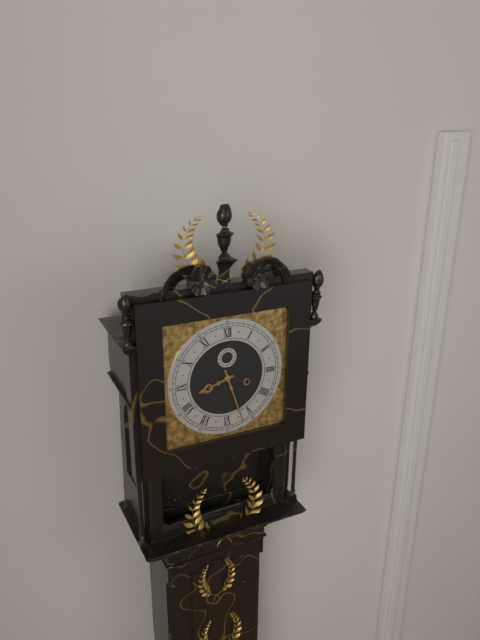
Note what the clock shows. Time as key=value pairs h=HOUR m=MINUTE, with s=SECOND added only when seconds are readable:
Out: h=8 m=27
